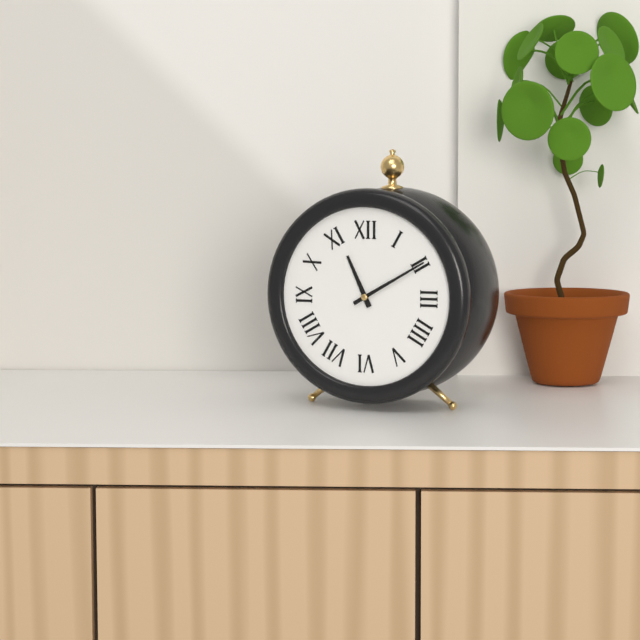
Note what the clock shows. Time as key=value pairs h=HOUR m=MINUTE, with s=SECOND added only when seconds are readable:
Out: h=11 m=10
